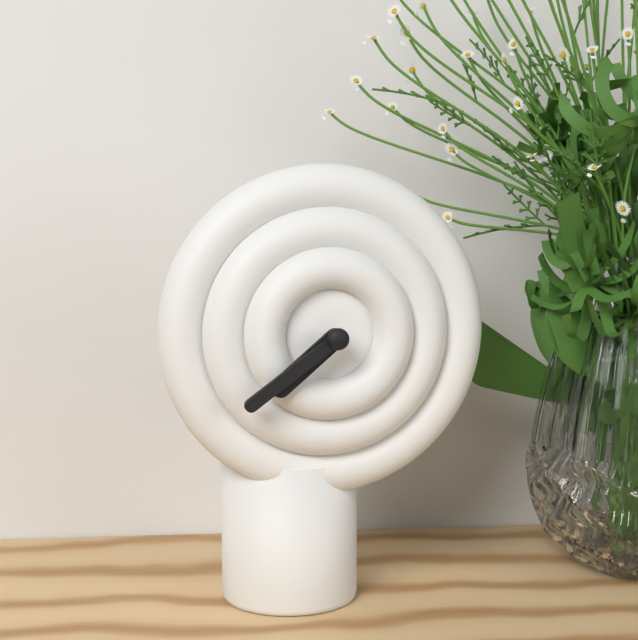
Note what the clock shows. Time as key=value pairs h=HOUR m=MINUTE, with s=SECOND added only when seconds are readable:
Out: h=7 m=39
